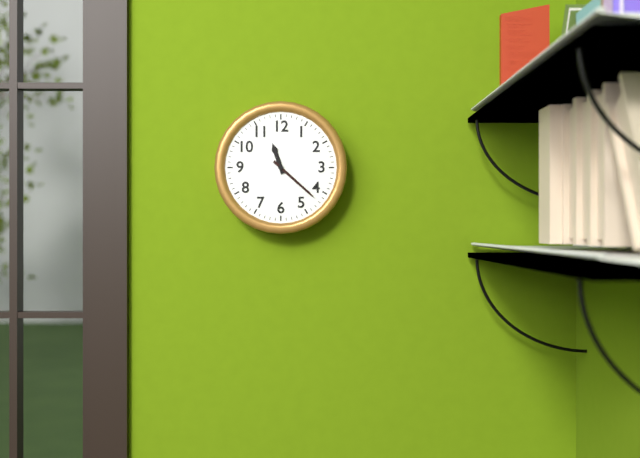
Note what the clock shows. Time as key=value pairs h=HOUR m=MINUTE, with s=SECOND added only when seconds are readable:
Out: h=11 m=22
